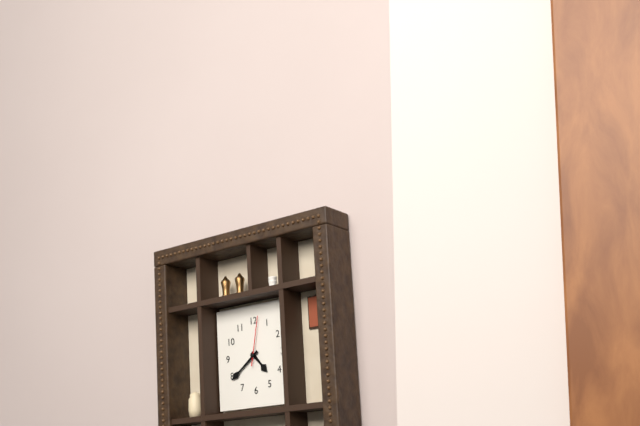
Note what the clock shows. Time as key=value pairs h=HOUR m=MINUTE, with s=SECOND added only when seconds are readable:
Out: h=4 m=39
